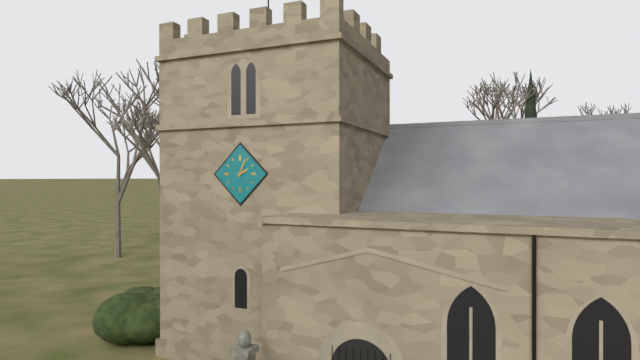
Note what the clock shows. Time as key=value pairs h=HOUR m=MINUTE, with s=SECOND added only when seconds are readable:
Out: h=2 m=4
